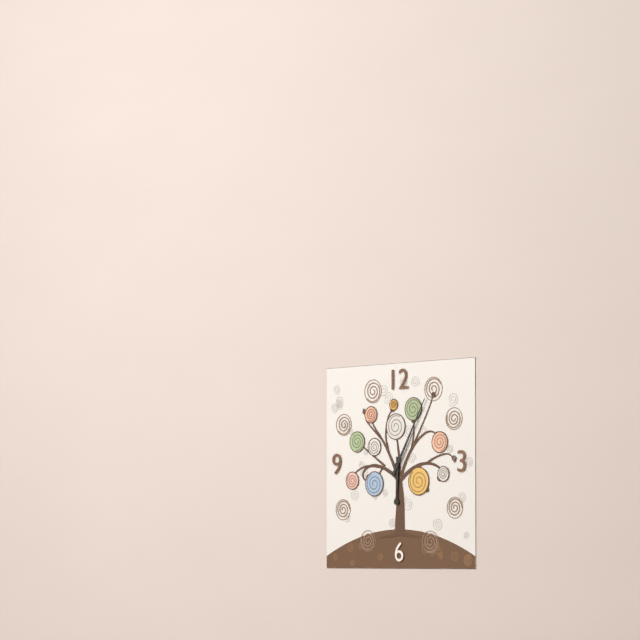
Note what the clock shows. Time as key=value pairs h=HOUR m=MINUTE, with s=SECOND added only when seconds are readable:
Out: h=6 m=5
